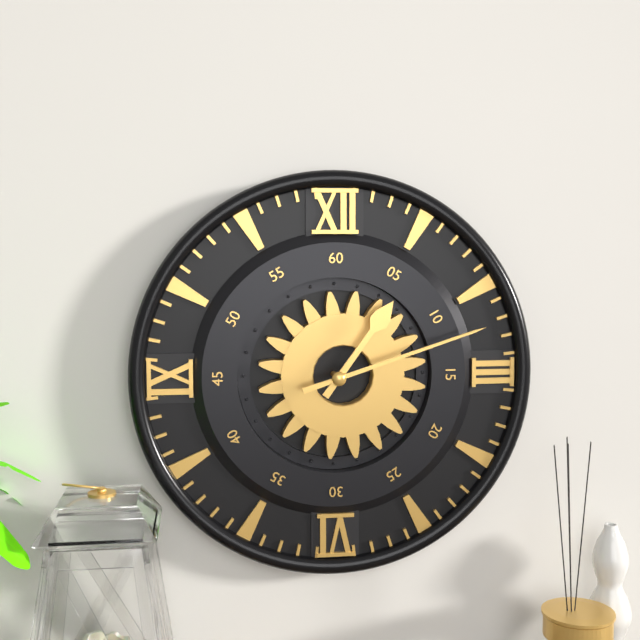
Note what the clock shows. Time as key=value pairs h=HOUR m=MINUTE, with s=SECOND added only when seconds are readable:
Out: h=1 m=12
